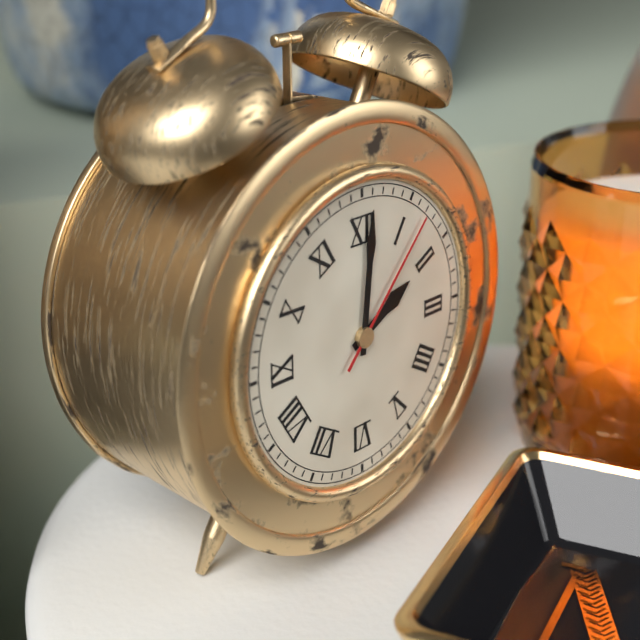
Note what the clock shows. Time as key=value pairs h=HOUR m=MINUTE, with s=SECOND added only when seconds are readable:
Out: h=2 m=1 s=7
